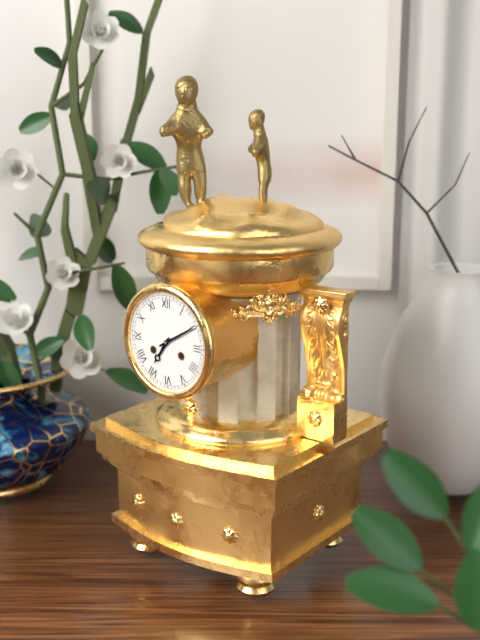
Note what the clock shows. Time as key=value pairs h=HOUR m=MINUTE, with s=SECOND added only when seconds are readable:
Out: h=7 m=10
